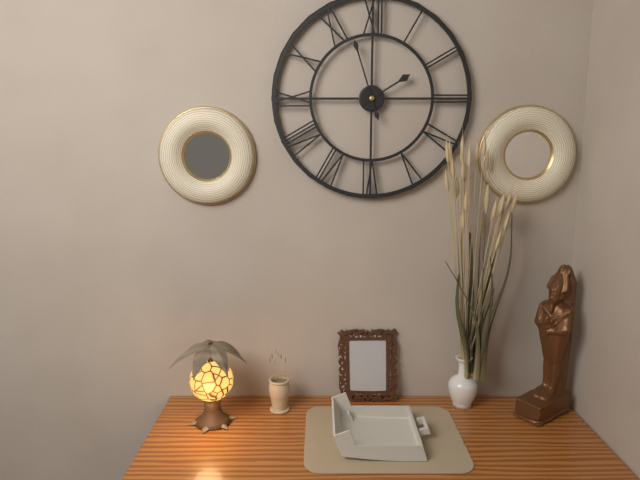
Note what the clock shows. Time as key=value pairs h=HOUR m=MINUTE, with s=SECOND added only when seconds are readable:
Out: h=1 m=57
